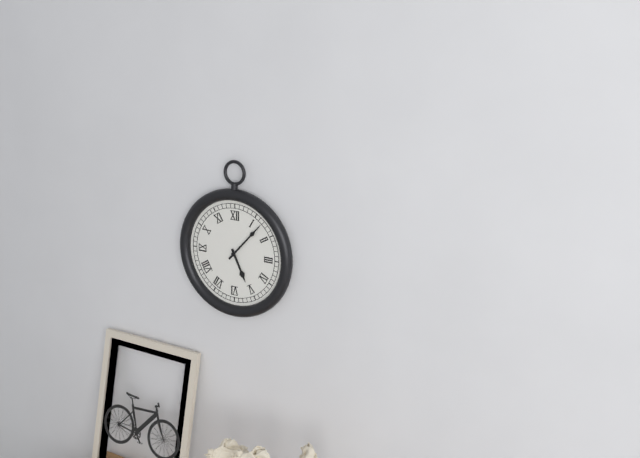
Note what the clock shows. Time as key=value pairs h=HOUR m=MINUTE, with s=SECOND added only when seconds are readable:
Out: h=5 m=7
